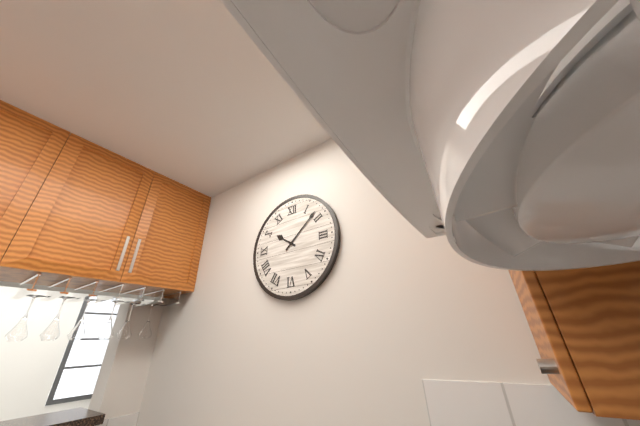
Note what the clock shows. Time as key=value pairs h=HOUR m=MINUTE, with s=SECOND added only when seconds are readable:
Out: h=10 m=8
